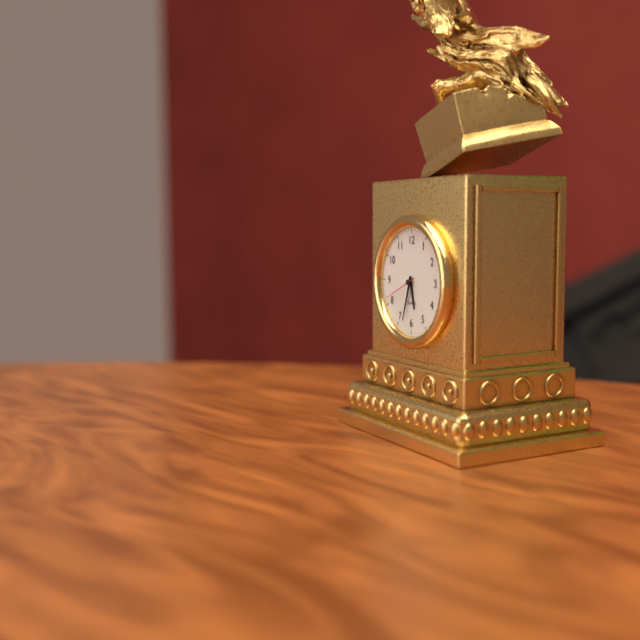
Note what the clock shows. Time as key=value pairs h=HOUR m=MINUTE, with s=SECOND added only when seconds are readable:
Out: h=5 m=33
